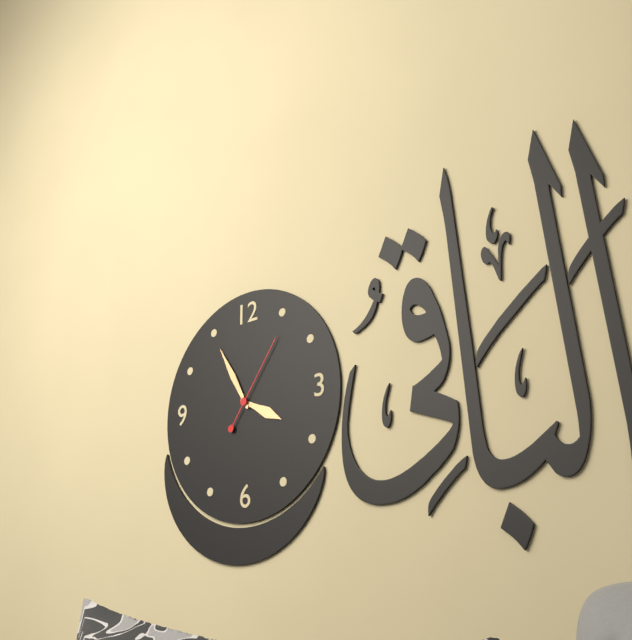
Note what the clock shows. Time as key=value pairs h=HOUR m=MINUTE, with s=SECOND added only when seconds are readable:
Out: h=3 m=55 s=6
